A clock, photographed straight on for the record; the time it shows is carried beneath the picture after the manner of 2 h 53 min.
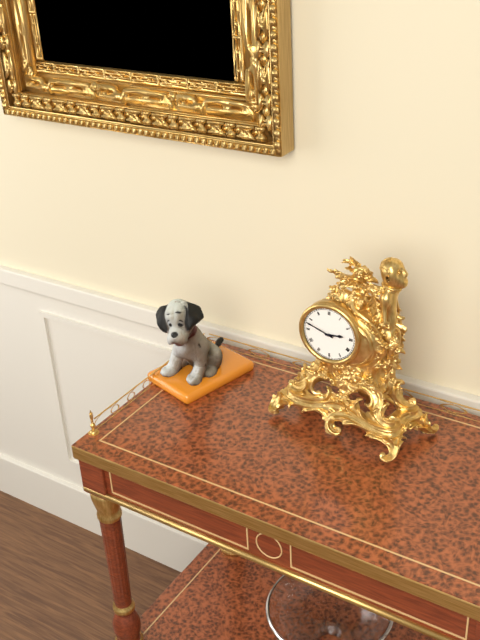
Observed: 2 h 48 min
